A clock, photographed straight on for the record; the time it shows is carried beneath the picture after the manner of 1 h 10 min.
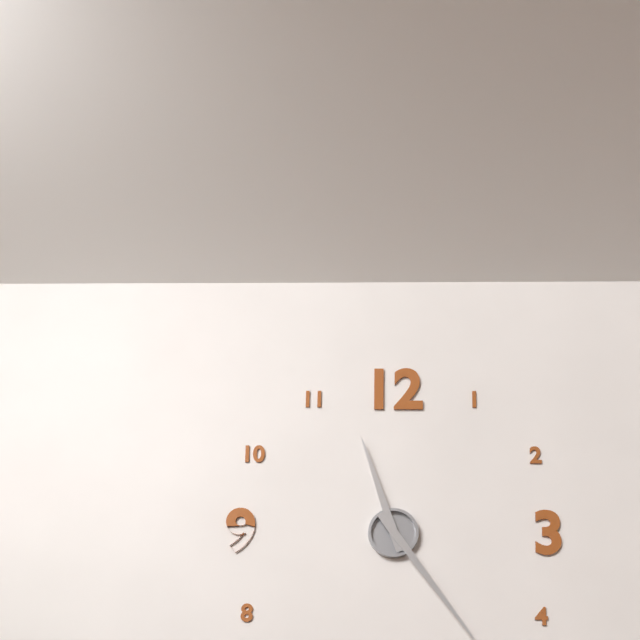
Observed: 11 h 24 min
